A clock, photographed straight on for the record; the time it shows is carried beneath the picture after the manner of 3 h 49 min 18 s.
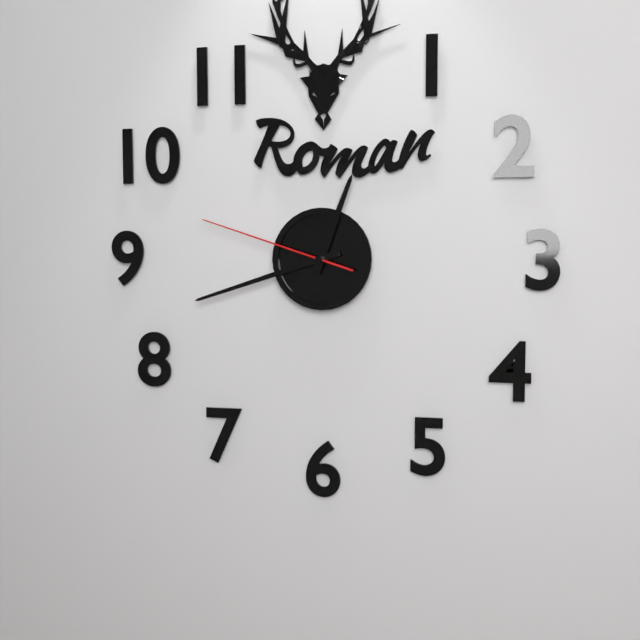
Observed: 12 h 42 min 48 s
